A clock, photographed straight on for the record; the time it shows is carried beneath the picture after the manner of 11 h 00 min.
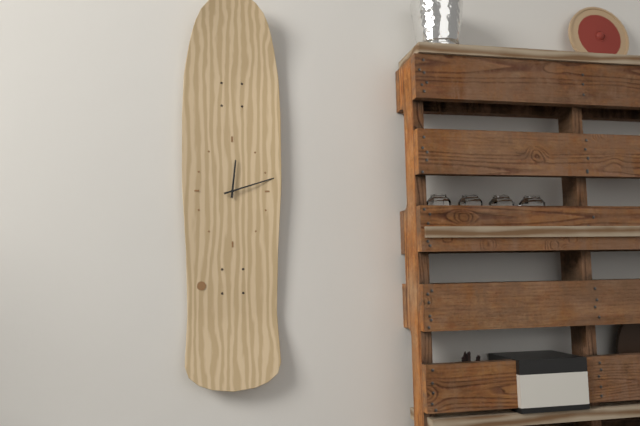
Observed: 12 h 12 min
